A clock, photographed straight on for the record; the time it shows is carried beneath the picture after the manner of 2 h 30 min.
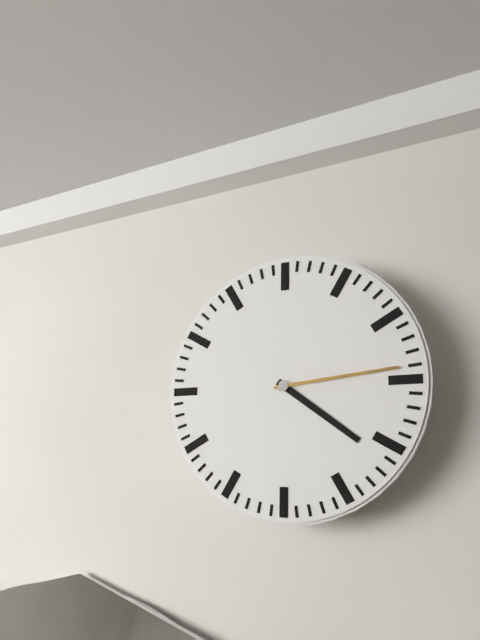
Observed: 4 h 14 min
